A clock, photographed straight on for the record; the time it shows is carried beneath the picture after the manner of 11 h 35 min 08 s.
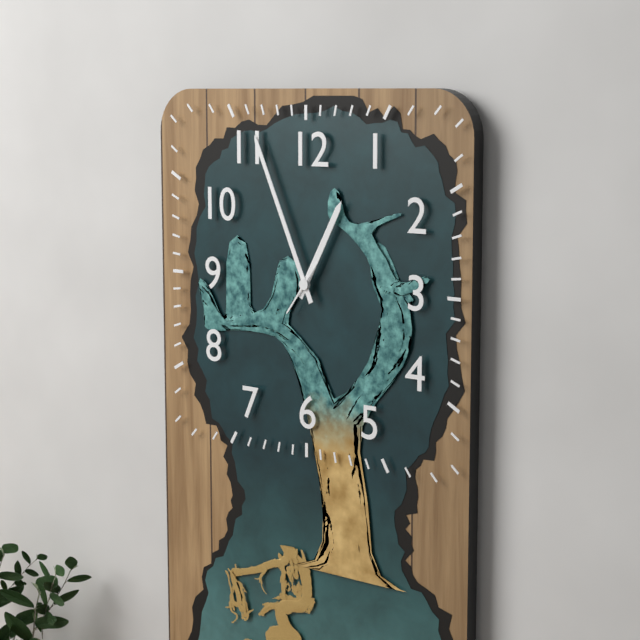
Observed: 12 h 56 min 36 s
